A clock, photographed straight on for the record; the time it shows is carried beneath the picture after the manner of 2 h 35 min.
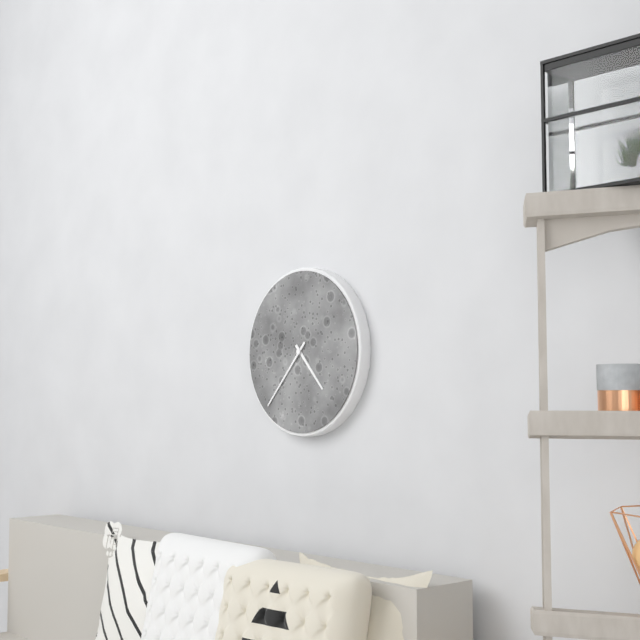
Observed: 4 h 37 min
